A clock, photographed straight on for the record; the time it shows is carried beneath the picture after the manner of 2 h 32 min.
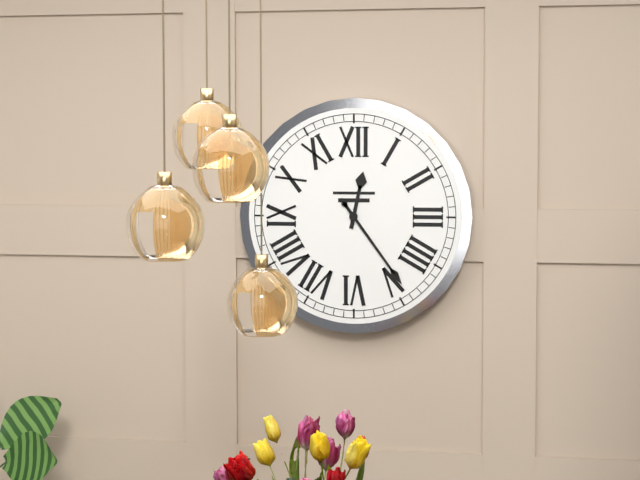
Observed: 12 h 24 min
